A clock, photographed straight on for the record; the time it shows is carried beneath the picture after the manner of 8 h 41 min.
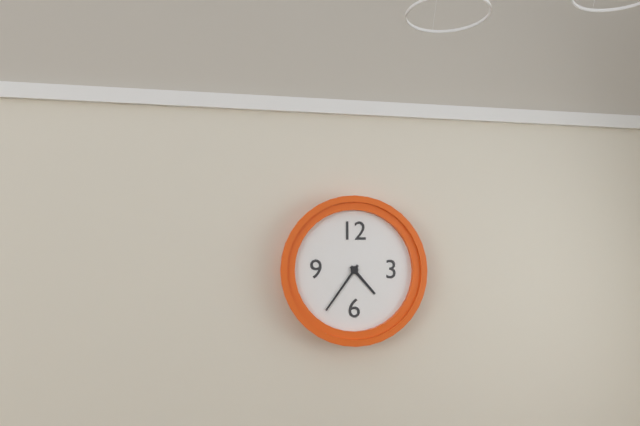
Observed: 4 h 36 min
